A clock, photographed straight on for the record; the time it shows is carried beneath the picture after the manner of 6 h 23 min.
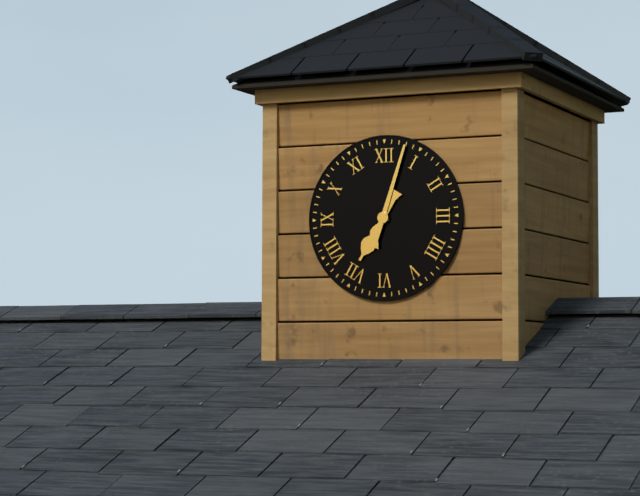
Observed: 7 h 03 min
